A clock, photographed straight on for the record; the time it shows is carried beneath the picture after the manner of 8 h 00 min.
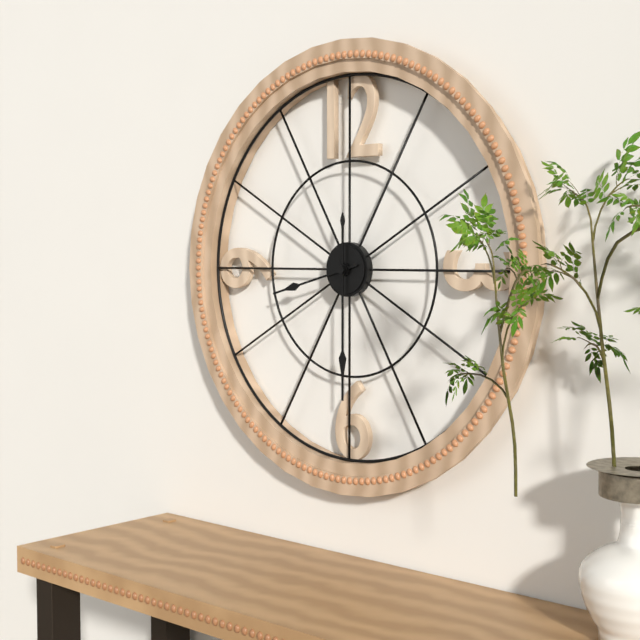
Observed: 8 h 30 min
